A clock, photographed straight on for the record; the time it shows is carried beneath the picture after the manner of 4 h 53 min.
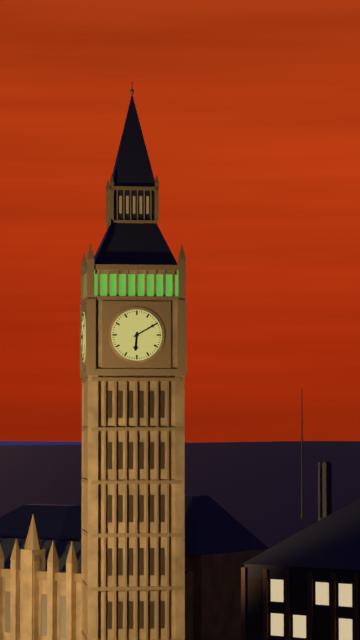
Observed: 6 h 10 min
